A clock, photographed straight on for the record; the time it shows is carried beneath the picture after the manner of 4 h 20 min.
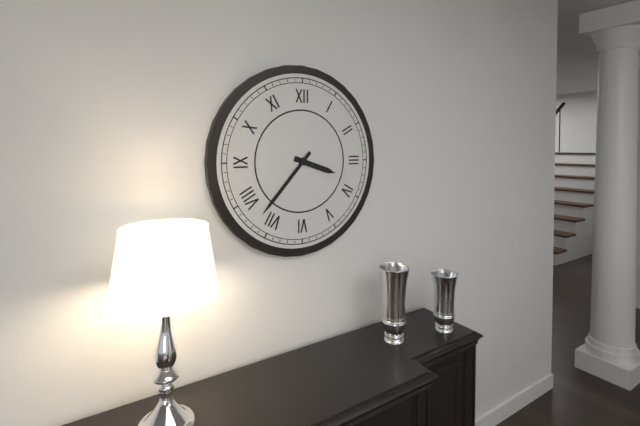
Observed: 3 h 37 min
